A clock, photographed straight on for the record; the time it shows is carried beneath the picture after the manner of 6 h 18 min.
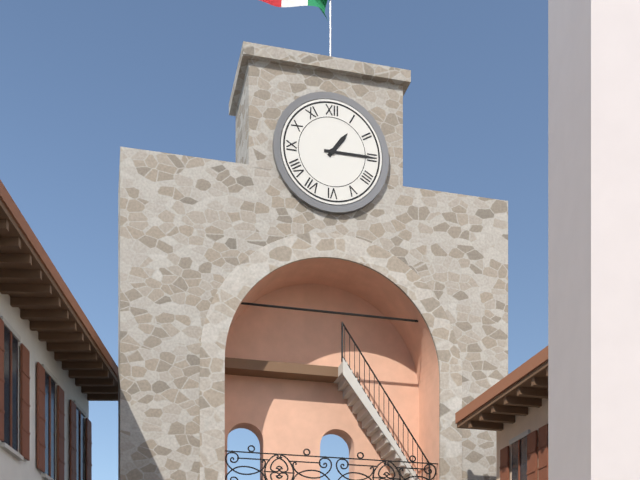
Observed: 1 h 15 min
